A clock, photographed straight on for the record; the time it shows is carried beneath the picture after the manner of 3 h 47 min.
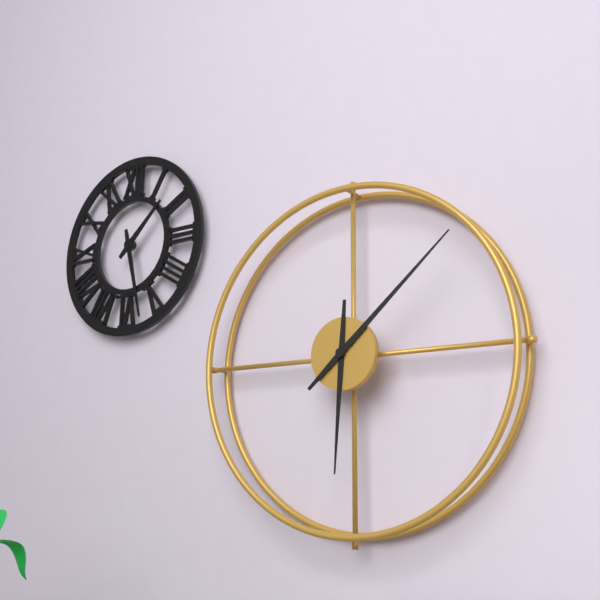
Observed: 6 h 08 min
